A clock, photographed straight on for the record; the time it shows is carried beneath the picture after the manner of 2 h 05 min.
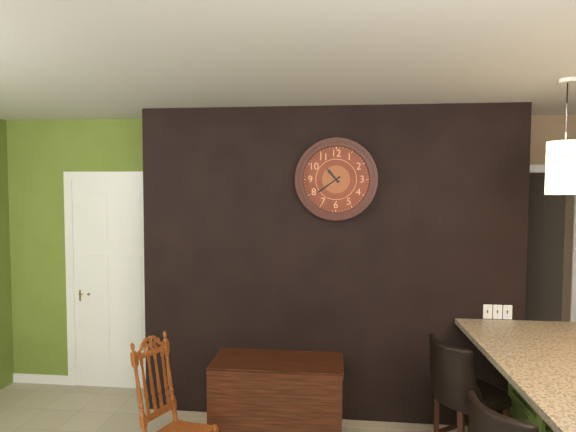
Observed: 10 h 39 min
